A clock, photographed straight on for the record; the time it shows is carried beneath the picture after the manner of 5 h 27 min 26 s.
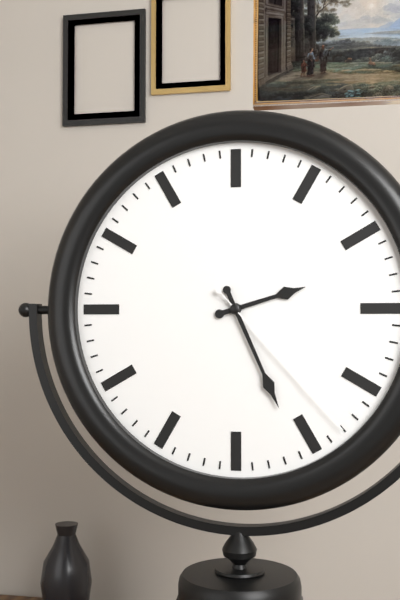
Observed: 2 h 26 min 23 s
